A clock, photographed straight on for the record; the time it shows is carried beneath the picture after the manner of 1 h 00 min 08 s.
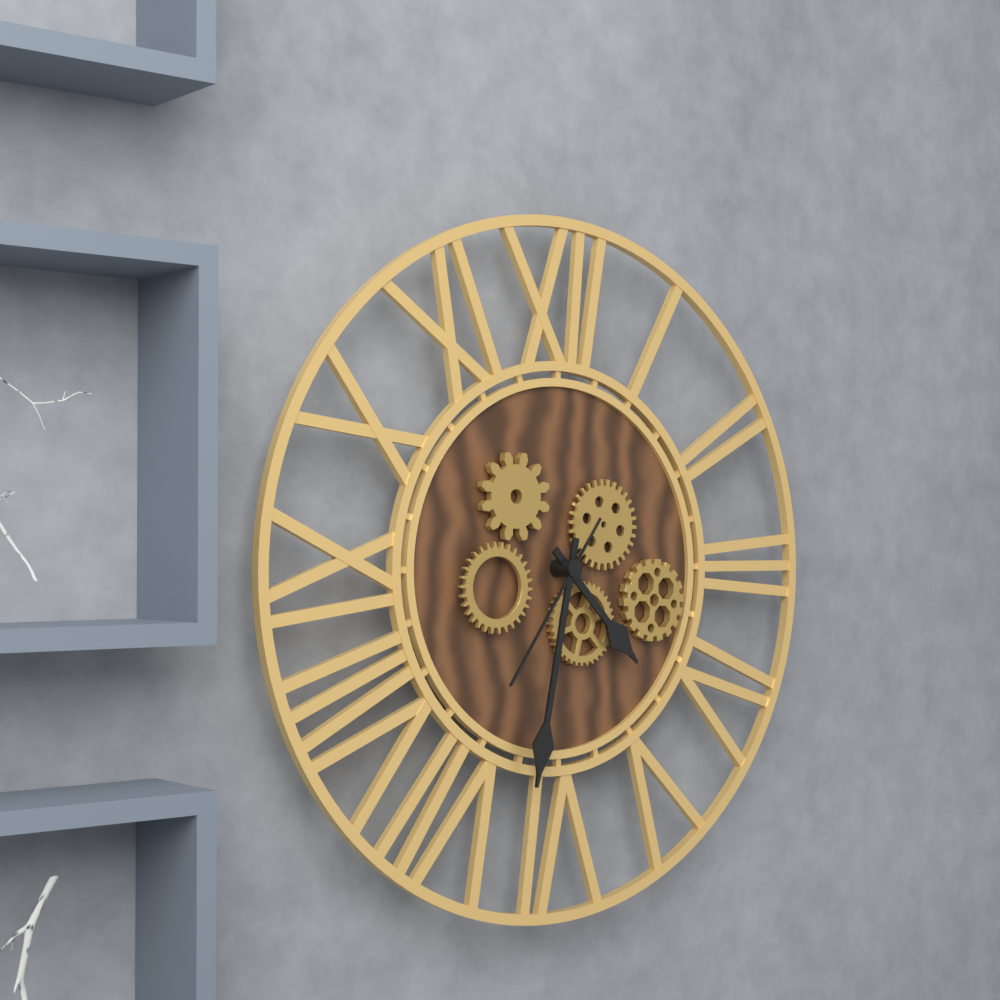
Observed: 4 h 32 min 36 s
